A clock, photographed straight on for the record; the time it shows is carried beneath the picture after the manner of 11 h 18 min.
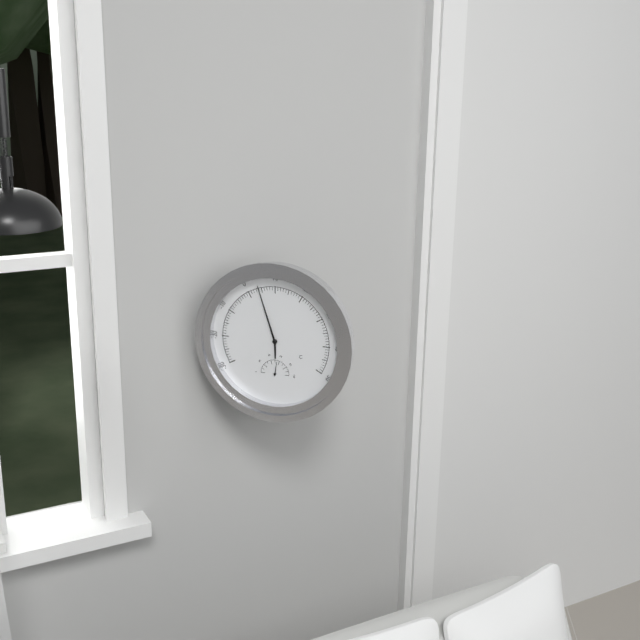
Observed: 5 h 57 min
